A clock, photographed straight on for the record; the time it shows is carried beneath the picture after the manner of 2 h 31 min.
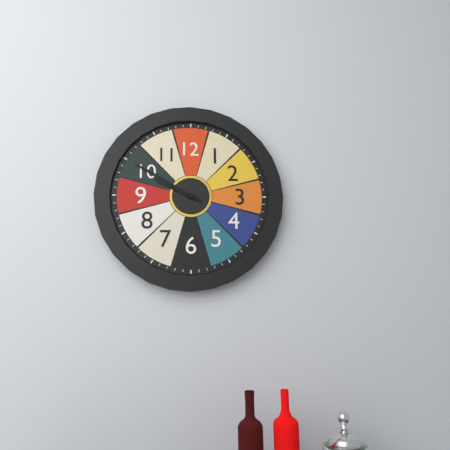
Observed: 9 h 50 min
